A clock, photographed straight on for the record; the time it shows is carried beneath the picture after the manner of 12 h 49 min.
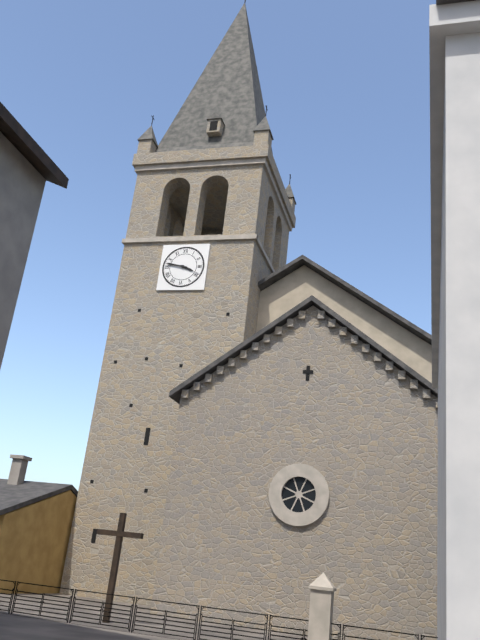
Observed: 3 h 47 min
